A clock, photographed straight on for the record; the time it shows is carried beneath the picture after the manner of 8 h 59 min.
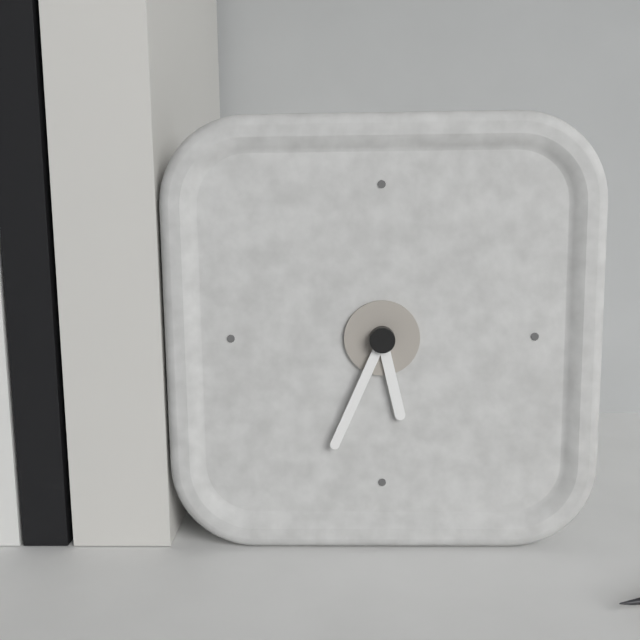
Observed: 5 h 34 min
